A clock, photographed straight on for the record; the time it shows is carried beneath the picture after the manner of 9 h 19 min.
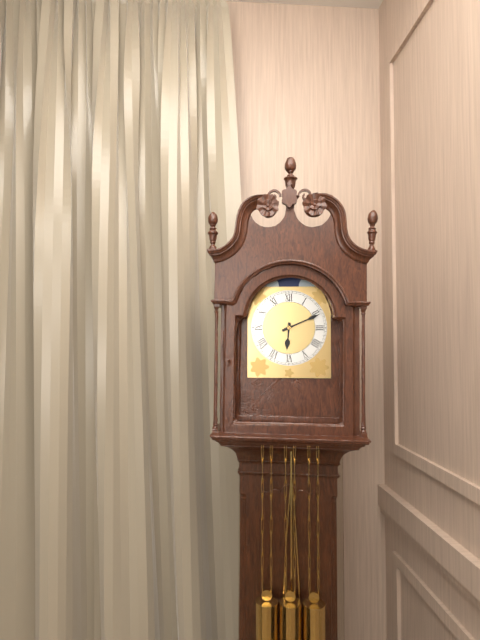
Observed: 6 h 11 min
